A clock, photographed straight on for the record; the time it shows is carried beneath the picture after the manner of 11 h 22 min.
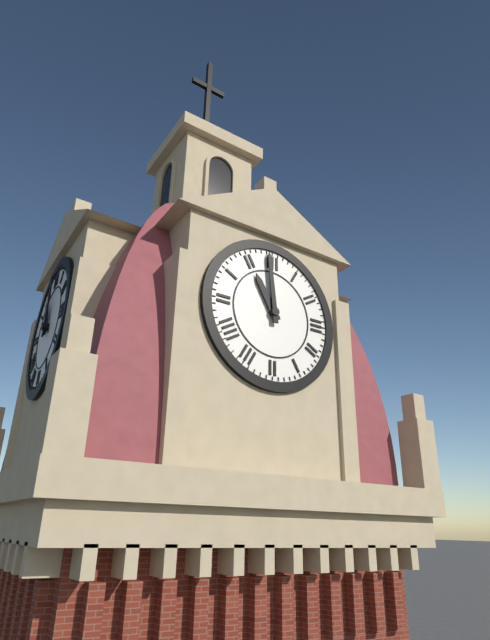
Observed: 10 h 59 min
